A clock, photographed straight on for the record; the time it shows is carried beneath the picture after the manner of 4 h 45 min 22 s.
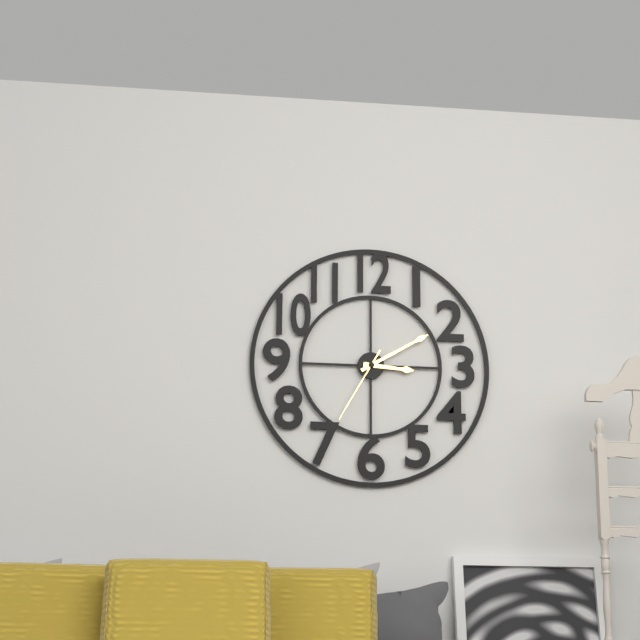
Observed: 3 h 10 min 35 s
